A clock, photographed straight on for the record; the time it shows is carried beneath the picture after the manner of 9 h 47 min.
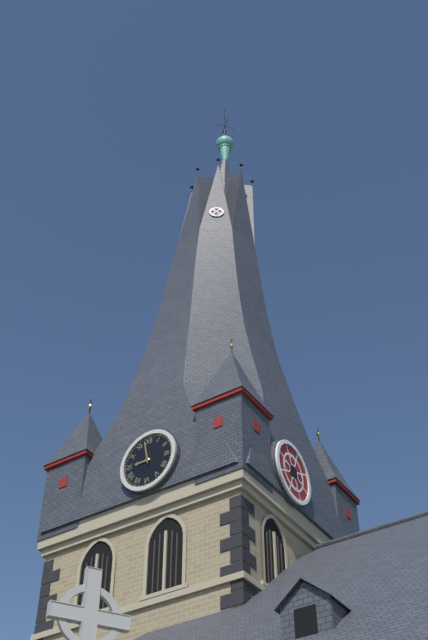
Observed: 8 h 58 min
